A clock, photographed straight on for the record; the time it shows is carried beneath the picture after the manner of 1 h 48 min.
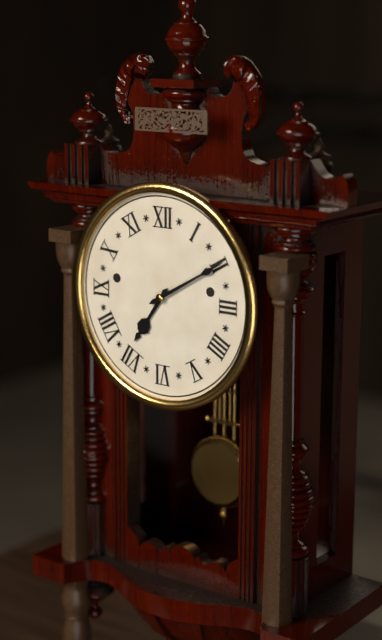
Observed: 7 h 10 min
